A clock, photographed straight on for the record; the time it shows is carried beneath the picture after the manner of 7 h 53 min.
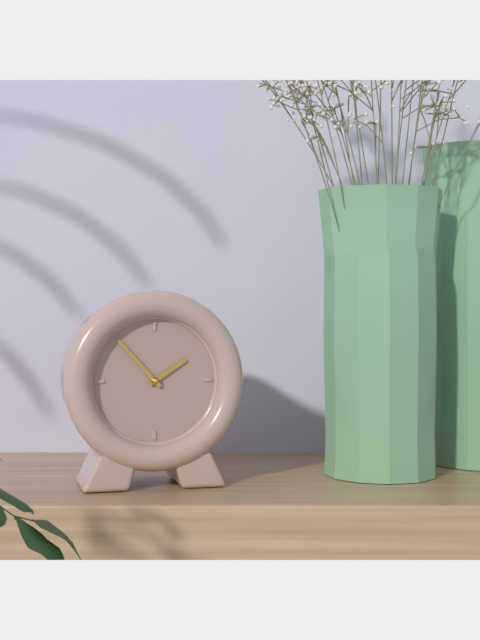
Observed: 1 h 53 min
